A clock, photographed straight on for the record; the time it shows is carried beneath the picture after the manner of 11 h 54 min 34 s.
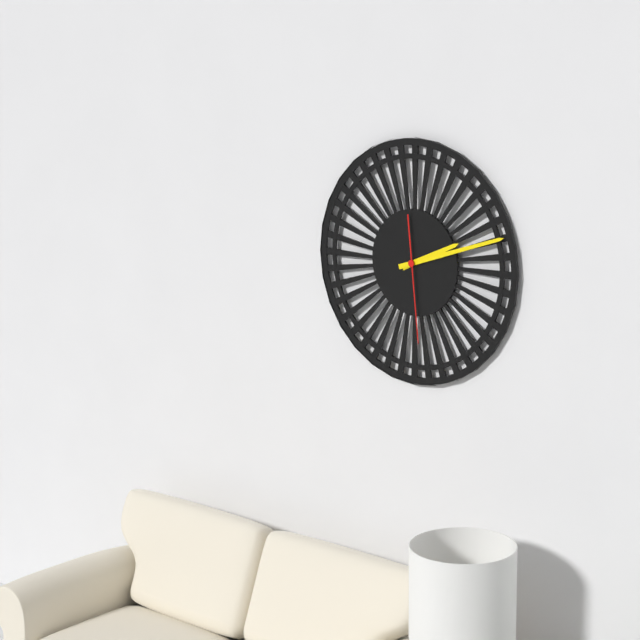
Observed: 2 h 12 min 29 s
